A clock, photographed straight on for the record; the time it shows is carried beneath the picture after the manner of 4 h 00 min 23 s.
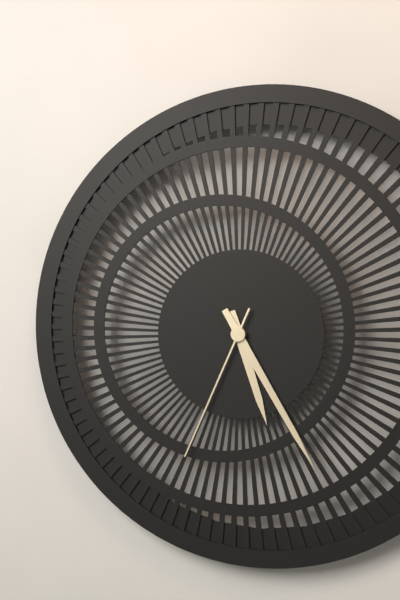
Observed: 5 h 25 min 34 s
